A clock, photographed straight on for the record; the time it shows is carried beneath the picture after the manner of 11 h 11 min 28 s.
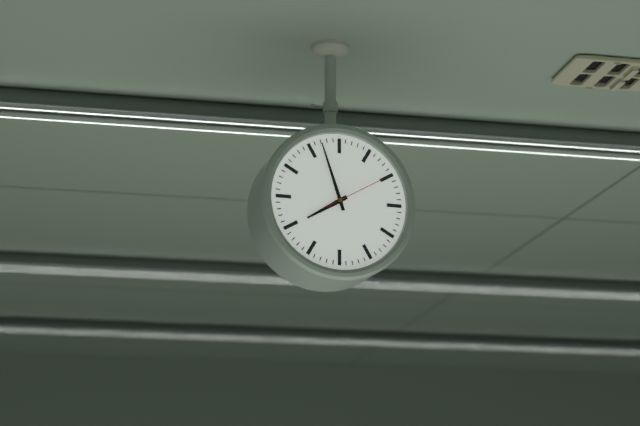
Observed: 7 h 57 min 10 s
